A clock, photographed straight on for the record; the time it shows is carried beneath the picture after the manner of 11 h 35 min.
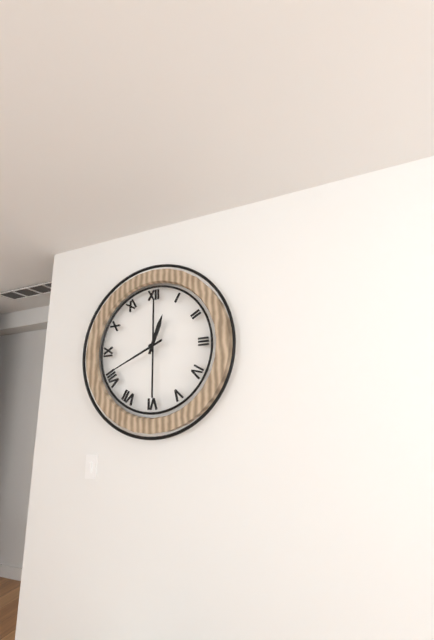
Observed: 12 h 41 min
